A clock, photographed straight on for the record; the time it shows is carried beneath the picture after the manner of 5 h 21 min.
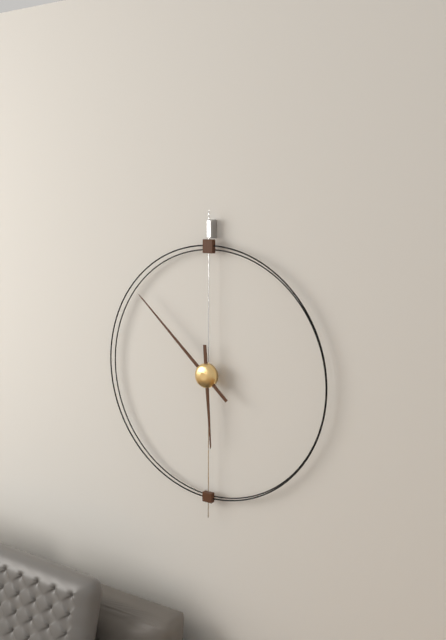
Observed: 5 h 52 min
